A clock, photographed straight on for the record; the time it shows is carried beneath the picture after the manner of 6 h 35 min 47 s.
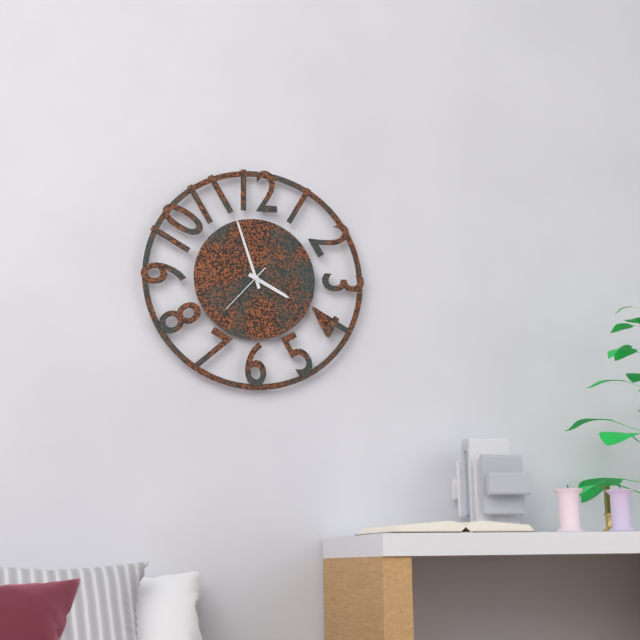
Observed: 3 h 57 min 37 s
